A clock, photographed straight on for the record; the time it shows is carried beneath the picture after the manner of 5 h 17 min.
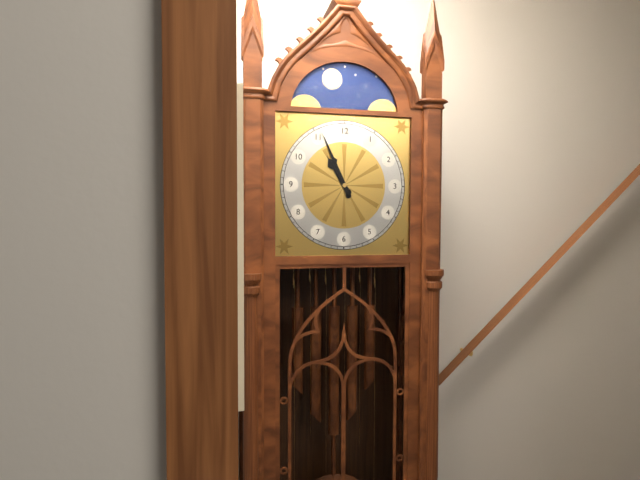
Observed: 10 h 56 min
